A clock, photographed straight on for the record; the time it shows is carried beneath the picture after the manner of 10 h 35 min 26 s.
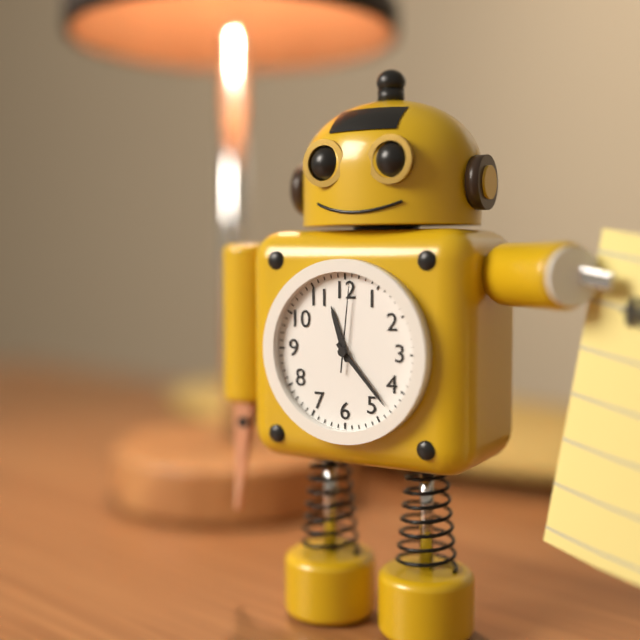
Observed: 11 h 23 min 01 s
